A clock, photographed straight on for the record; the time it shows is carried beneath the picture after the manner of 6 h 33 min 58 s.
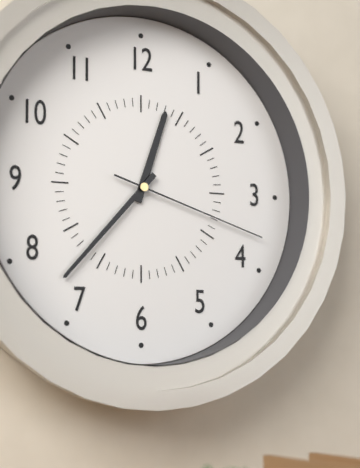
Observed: 12 h 37 min 18 s
